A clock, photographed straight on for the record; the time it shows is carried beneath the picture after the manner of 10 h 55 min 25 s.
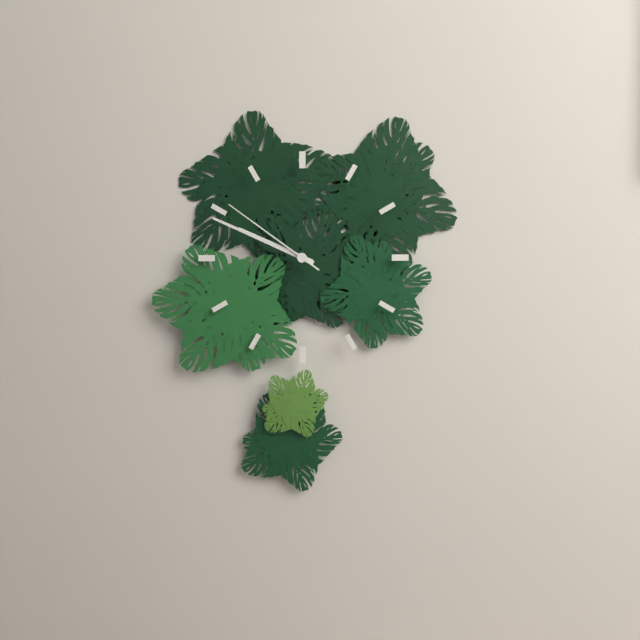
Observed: 9 h 49 min 51 s
